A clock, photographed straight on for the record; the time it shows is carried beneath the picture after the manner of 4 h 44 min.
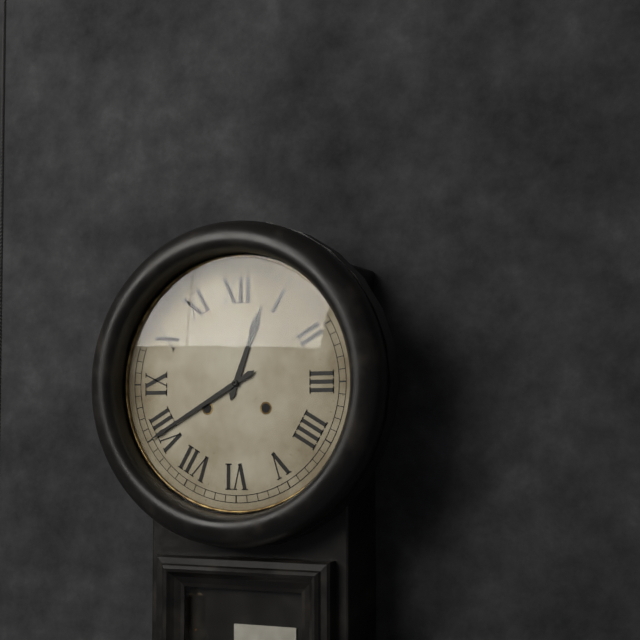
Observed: 12 h 40 min
